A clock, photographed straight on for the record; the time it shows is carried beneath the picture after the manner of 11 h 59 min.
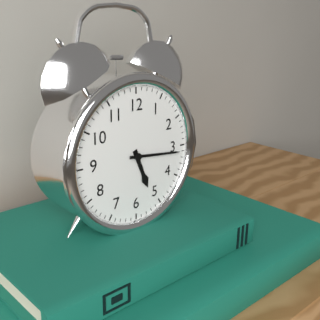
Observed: 5 h 16 min
